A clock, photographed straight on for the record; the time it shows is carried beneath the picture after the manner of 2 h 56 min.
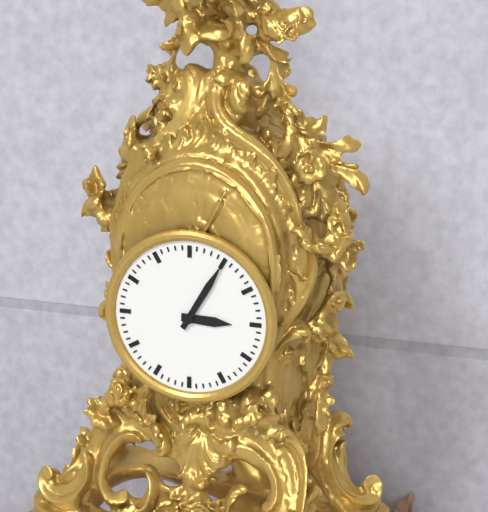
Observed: 3 h 05 min
